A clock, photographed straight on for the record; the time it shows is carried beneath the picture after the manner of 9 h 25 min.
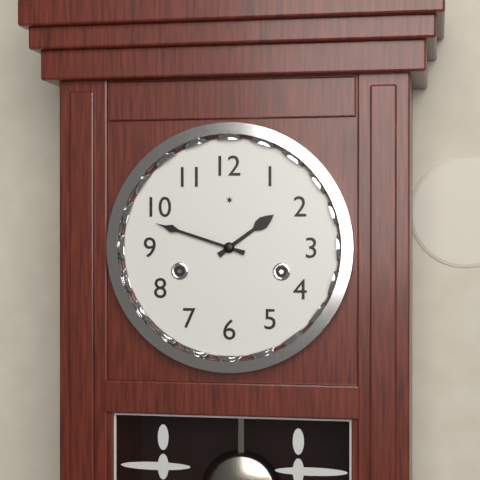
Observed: 1 h 48 min
